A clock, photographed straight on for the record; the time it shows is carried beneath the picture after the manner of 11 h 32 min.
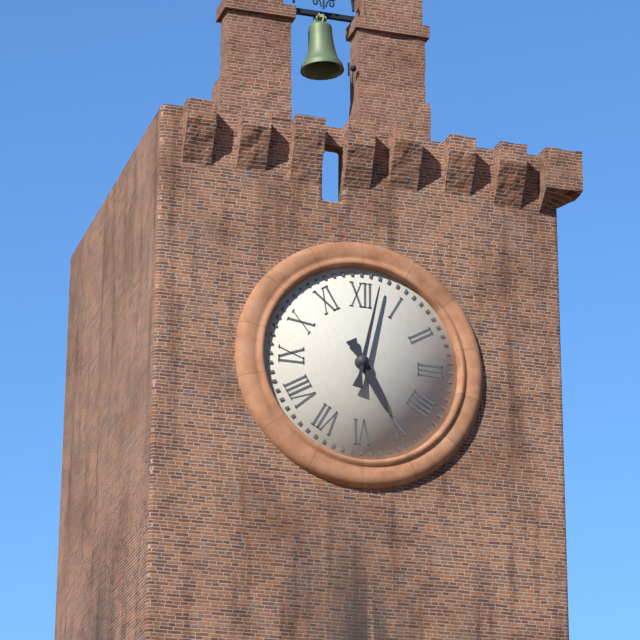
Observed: 5 h 02 min
